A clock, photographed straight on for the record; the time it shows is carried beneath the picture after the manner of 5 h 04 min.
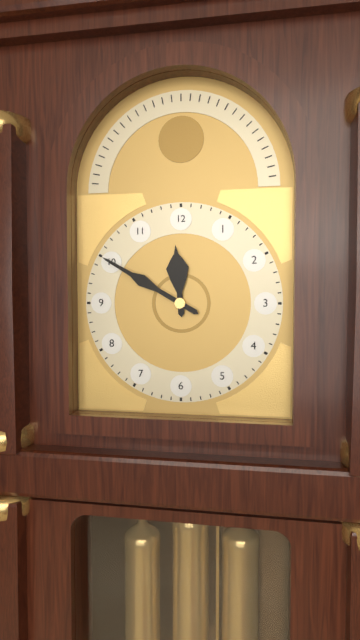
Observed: 11 h 50 min
